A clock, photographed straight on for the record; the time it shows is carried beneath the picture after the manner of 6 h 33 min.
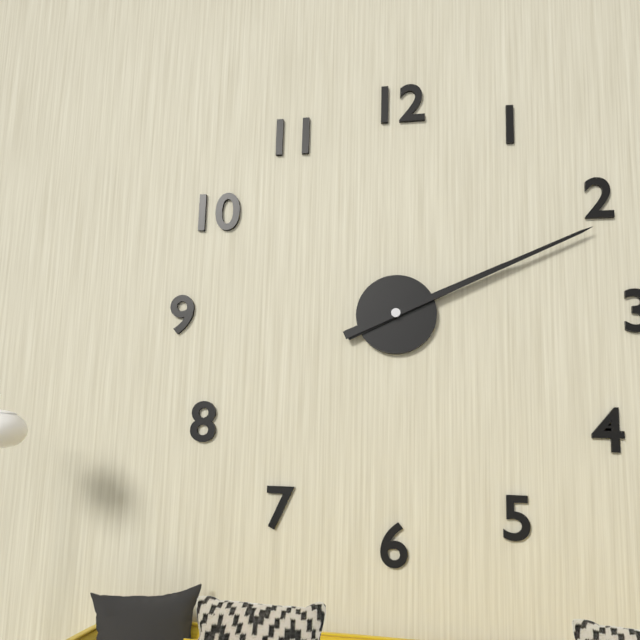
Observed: 2 h 11 min
